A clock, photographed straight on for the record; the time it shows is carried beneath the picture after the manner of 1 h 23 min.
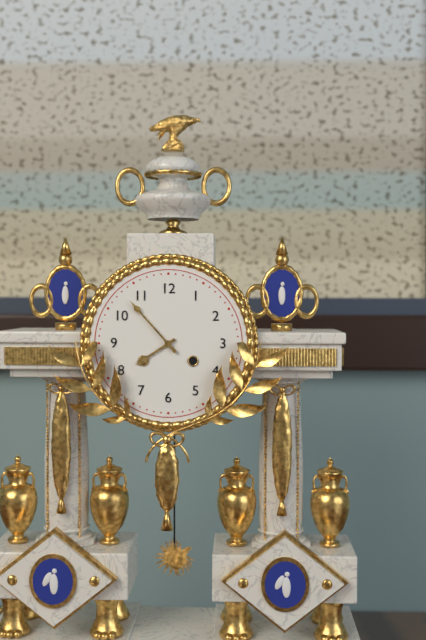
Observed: 7 h 53 min
